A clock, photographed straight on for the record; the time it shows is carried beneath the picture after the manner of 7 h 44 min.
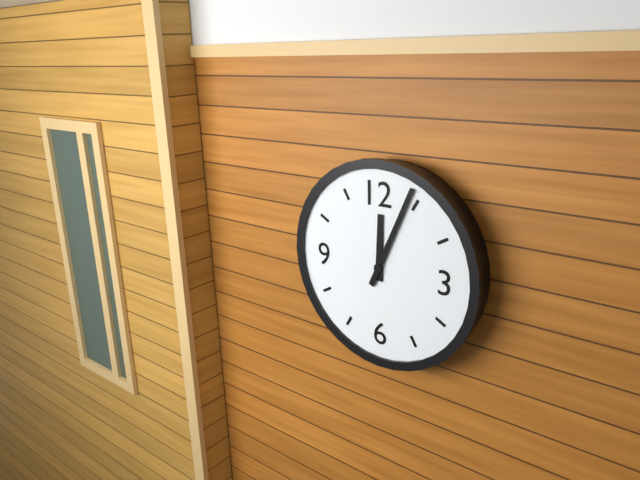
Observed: 12 h 04 min
